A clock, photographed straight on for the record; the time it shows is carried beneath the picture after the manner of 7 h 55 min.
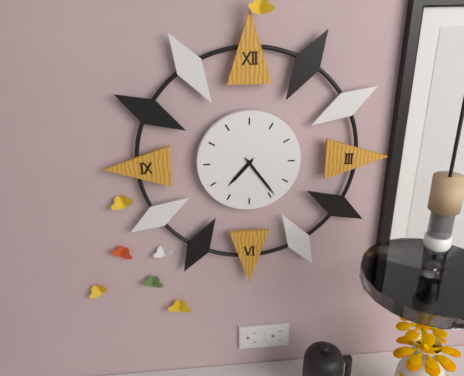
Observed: 7 h 24 min
